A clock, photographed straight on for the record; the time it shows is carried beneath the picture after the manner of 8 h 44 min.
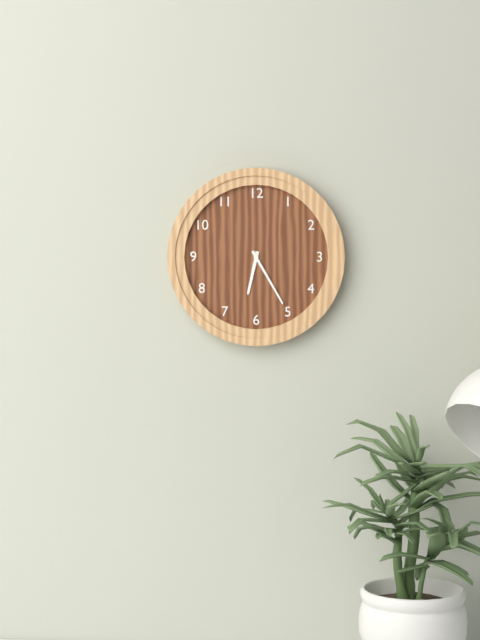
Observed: 6 h 25 min
